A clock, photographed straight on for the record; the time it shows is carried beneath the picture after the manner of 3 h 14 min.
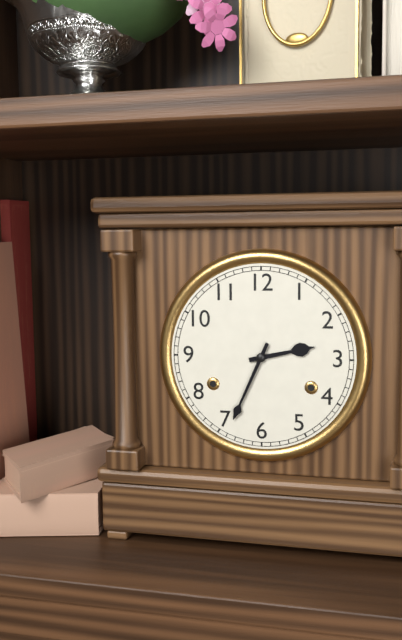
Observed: 2 h 34 min
